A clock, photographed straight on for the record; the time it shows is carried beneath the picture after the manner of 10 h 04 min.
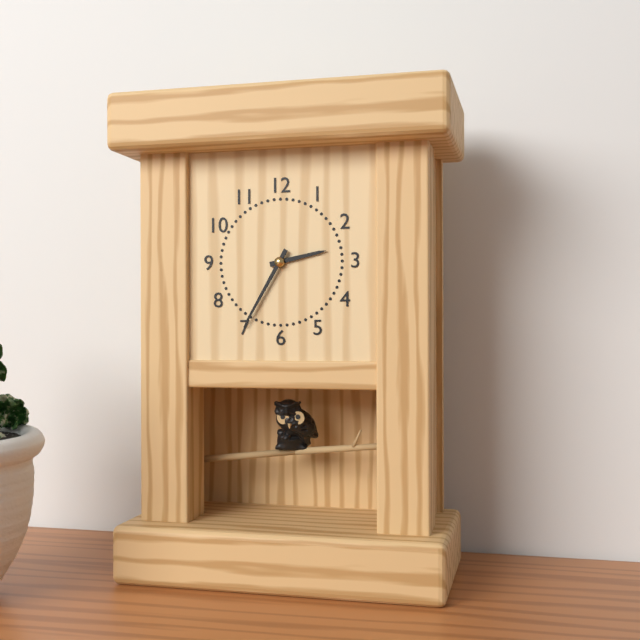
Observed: 2 h 35 min
